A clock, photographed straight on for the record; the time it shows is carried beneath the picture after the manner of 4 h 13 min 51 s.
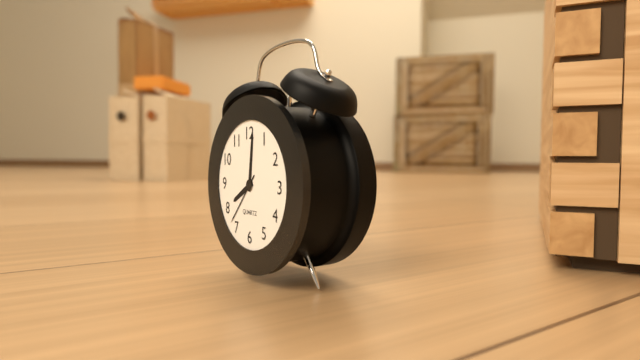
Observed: 8 h 01 min 37 s
